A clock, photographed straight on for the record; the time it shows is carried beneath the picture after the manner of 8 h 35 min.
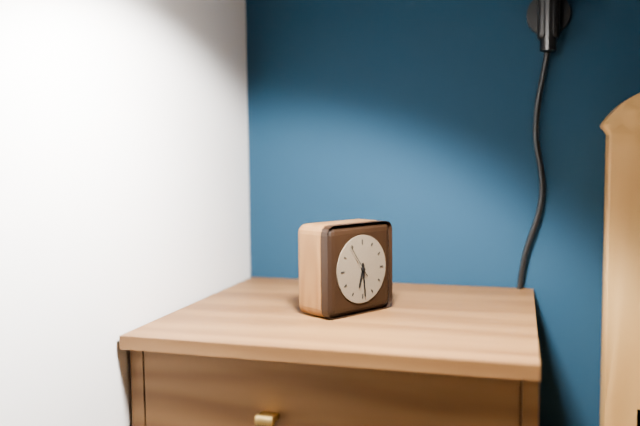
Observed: 6 h 29 min
